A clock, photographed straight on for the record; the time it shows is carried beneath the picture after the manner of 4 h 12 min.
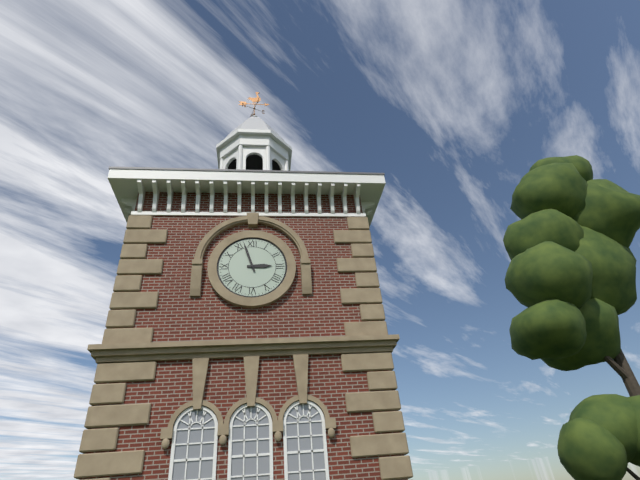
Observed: 2 h 57 min
